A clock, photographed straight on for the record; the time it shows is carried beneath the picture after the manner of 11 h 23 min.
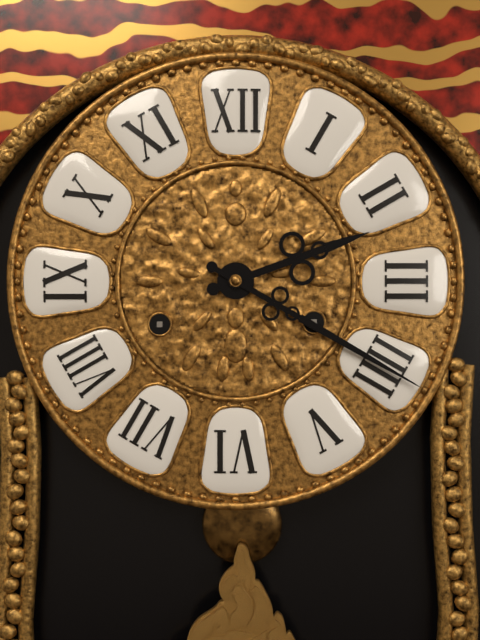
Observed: 2 h 20 min
